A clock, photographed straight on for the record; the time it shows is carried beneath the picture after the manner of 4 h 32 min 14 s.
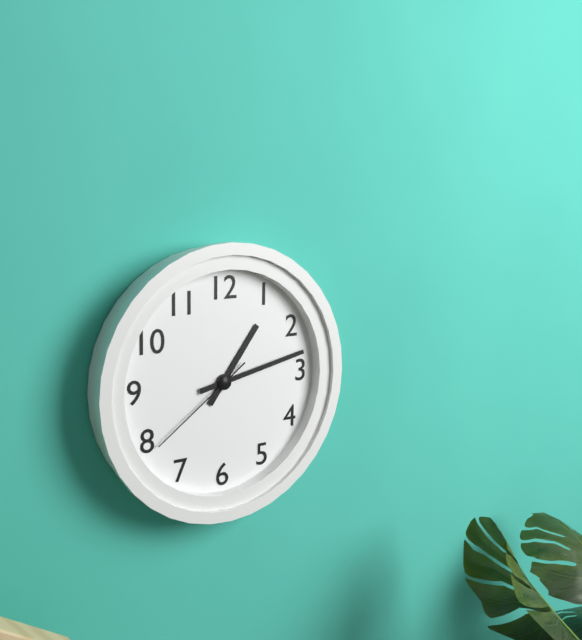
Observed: 1 h 13 min 39 s
